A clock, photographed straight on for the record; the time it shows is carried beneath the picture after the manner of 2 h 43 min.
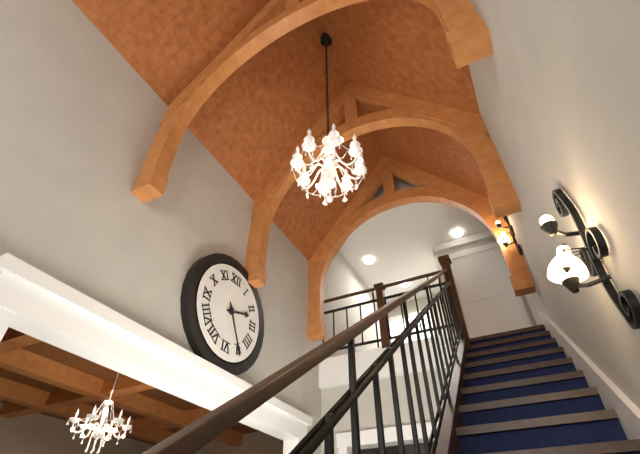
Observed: 2 h 25 min
